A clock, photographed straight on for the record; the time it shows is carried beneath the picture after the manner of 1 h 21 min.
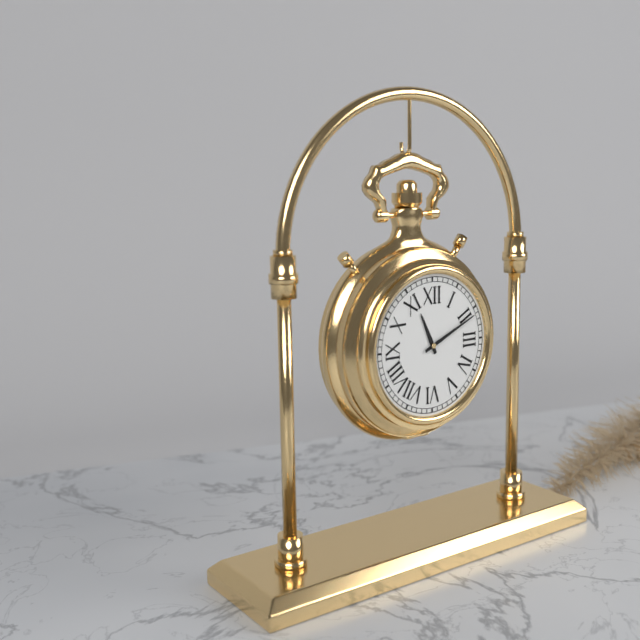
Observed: 11 h 11 min
